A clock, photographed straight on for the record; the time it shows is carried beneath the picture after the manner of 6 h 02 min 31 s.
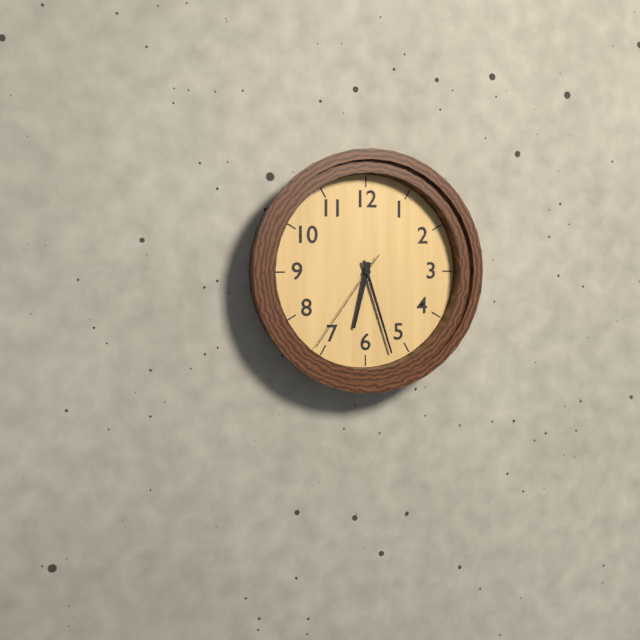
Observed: 6 h 27 min 36 s
